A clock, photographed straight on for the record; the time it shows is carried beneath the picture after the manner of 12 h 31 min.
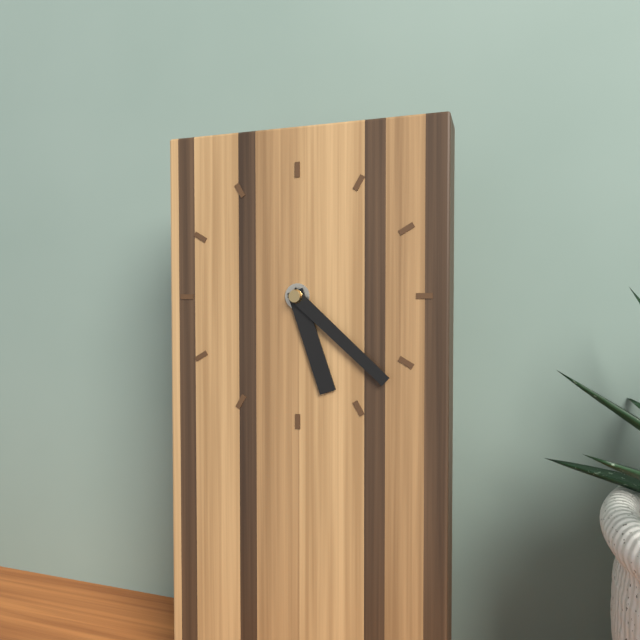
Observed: 5 h 22 min
